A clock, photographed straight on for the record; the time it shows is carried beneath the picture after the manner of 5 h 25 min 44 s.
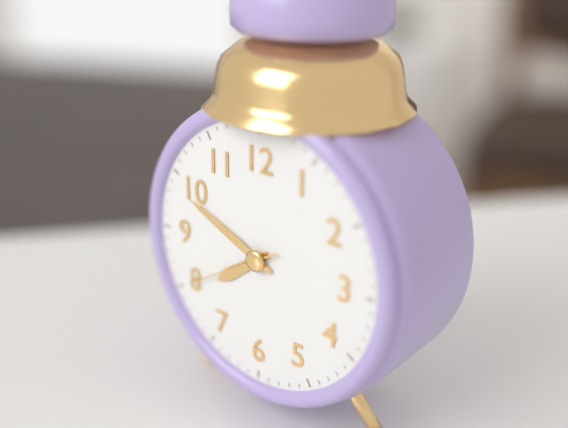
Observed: 7 h 49 min 40 s
